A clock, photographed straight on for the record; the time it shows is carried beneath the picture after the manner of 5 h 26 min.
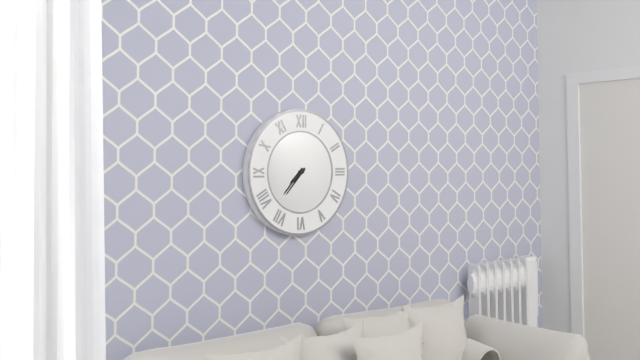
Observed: 7 h 37 min
